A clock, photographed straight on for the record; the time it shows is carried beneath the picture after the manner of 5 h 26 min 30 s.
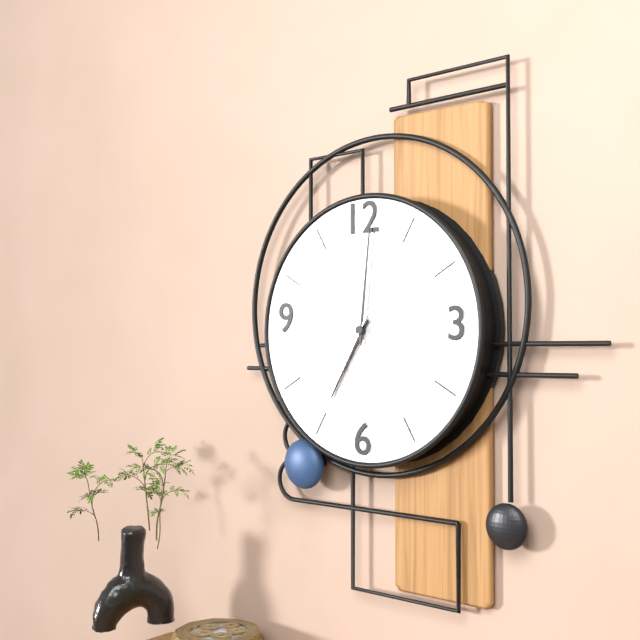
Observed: 7 h 01 min 35 s
